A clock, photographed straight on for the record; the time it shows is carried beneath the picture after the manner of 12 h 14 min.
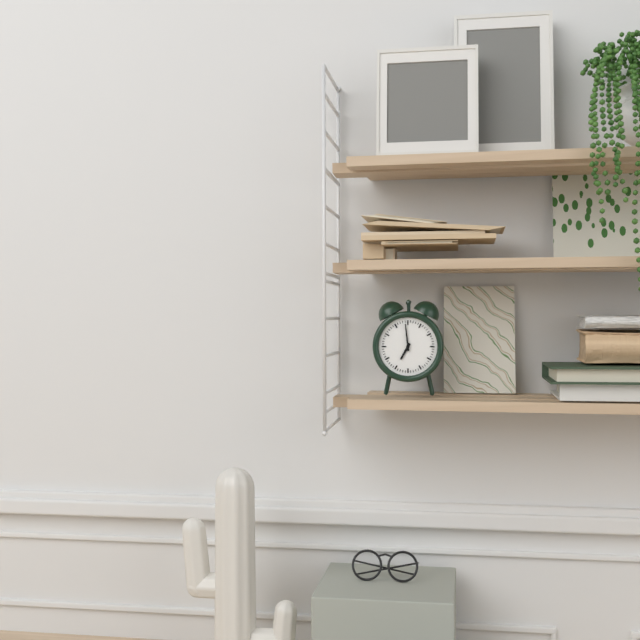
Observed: 6 h 59 min
